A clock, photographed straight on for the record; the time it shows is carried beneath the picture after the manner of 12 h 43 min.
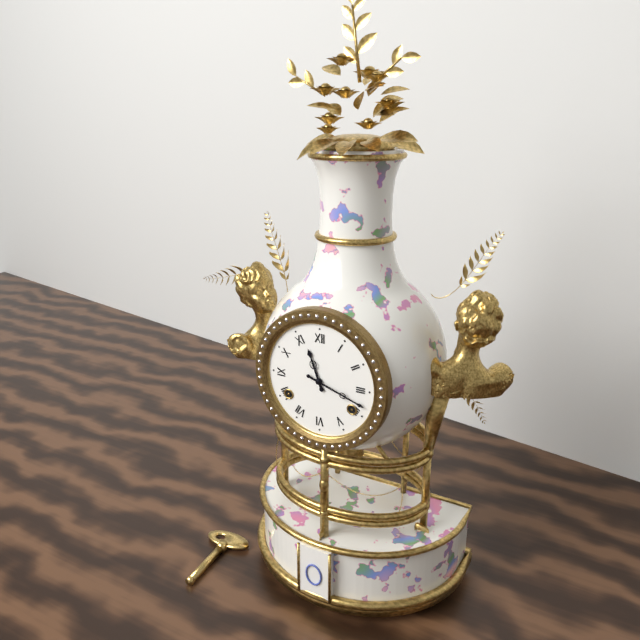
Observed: 11 h 18 min
